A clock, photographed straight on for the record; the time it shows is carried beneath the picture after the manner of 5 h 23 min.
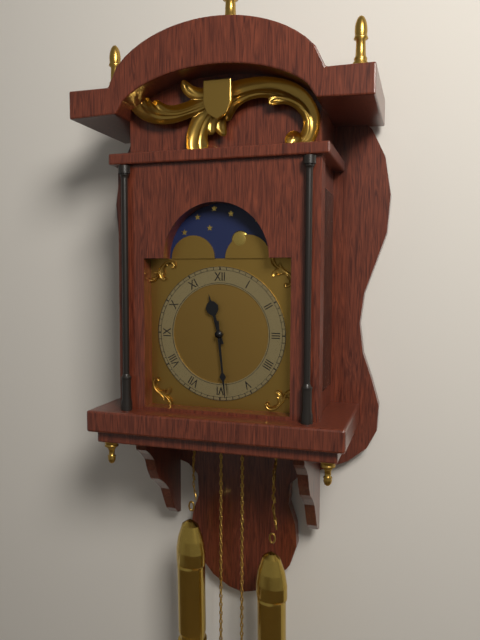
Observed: 11 h 29 min
